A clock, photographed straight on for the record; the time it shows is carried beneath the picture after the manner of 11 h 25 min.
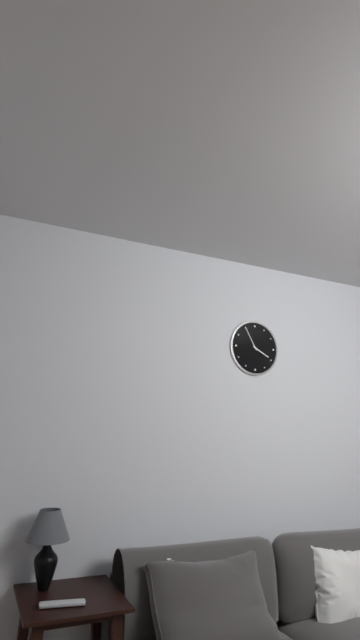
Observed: 3 h 55 min
